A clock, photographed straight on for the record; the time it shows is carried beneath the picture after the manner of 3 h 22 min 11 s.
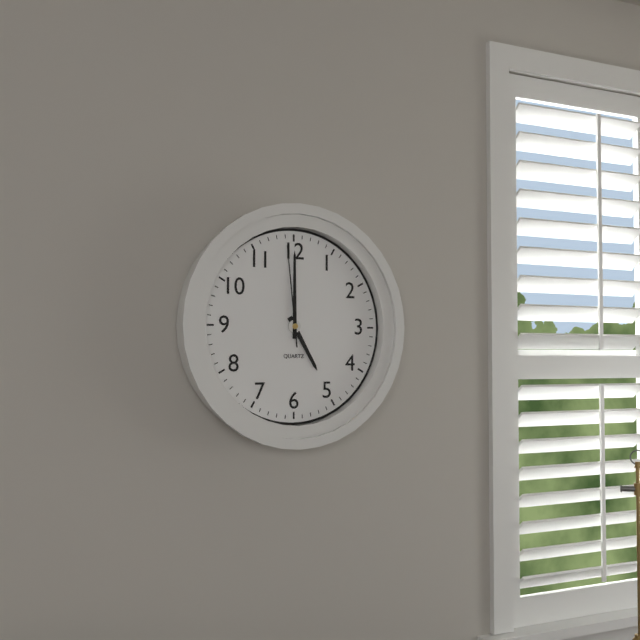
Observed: 5 h 00 min 59 s
